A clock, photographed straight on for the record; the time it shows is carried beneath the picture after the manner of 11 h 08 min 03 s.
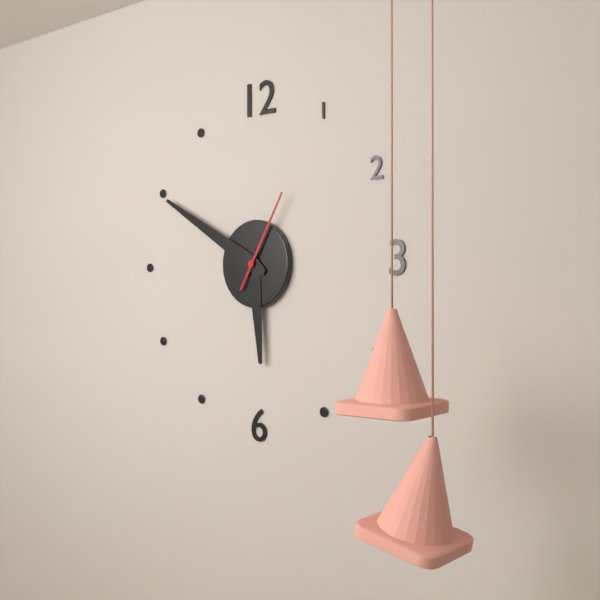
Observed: 5 h 50 min 05 s
